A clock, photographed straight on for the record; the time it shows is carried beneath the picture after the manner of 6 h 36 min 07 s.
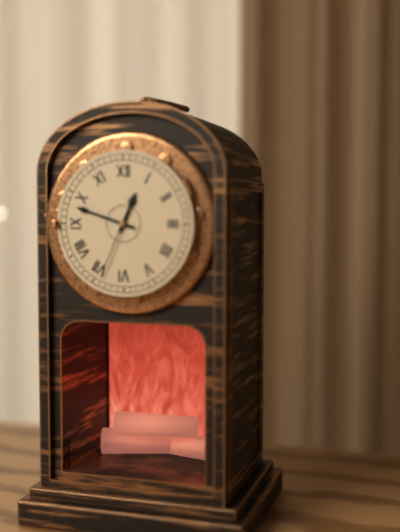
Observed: 12 h 48 min 34 s
